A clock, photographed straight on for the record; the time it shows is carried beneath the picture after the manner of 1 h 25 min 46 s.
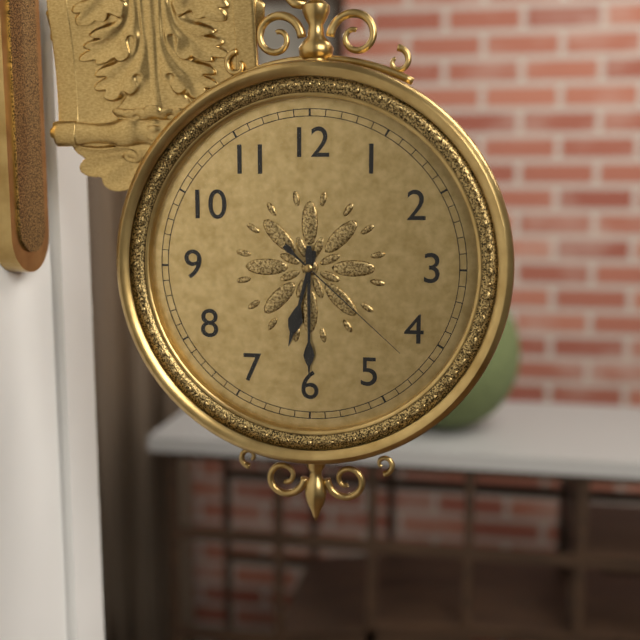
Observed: 6 h 30 min 22 s
